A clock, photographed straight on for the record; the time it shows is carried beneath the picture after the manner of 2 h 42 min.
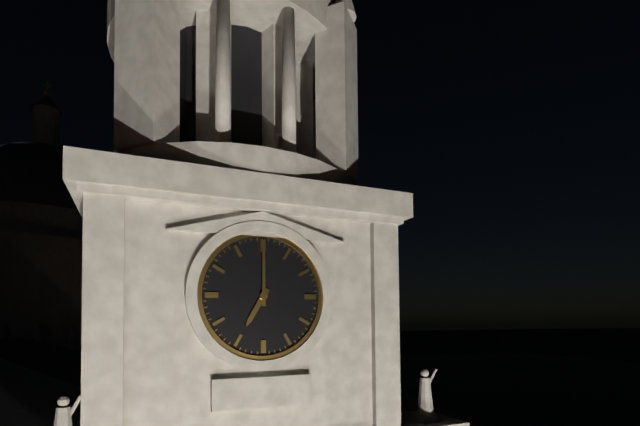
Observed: 7 h 00 min
